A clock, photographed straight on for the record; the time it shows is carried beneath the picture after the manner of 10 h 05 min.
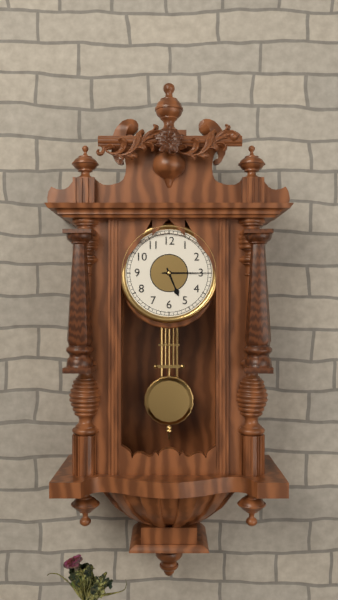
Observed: 5 h 15 min
